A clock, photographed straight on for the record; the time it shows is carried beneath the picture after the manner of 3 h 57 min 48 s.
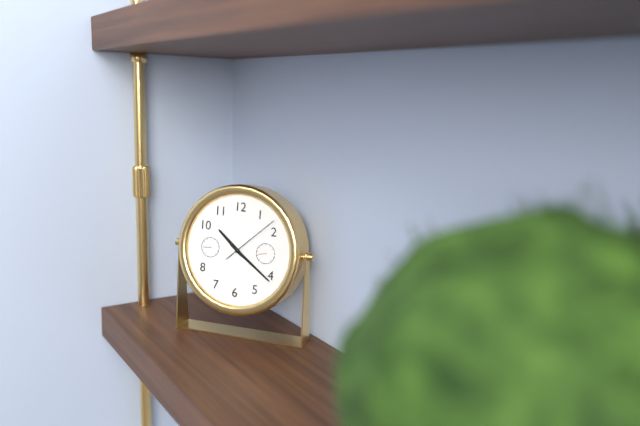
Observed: 10 h 21 min 08 s
